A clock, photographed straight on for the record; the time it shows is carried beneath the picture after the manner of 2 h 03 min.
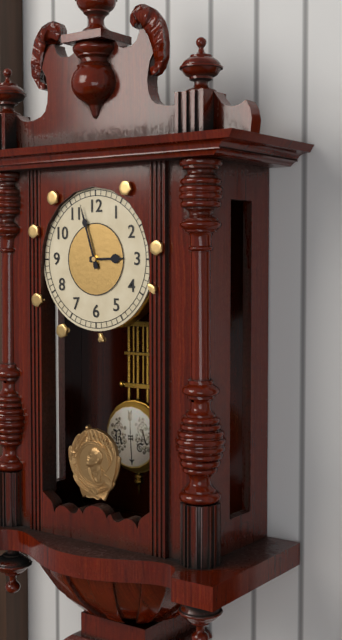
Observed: 2 h 57 min
